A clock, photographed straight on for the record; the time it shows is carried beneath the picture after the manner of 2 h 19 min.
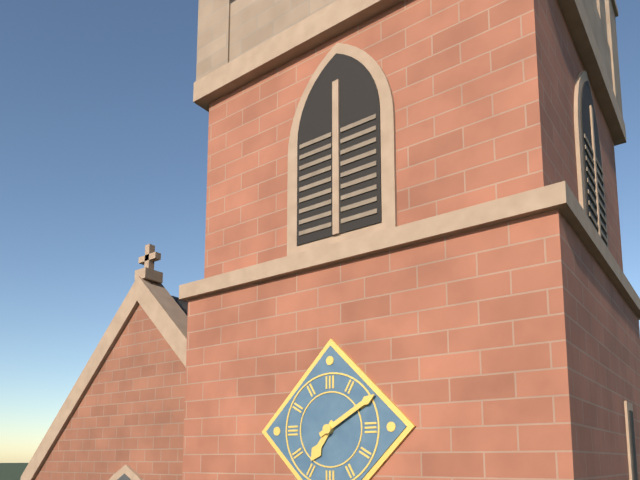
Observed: 7 h 10 min
